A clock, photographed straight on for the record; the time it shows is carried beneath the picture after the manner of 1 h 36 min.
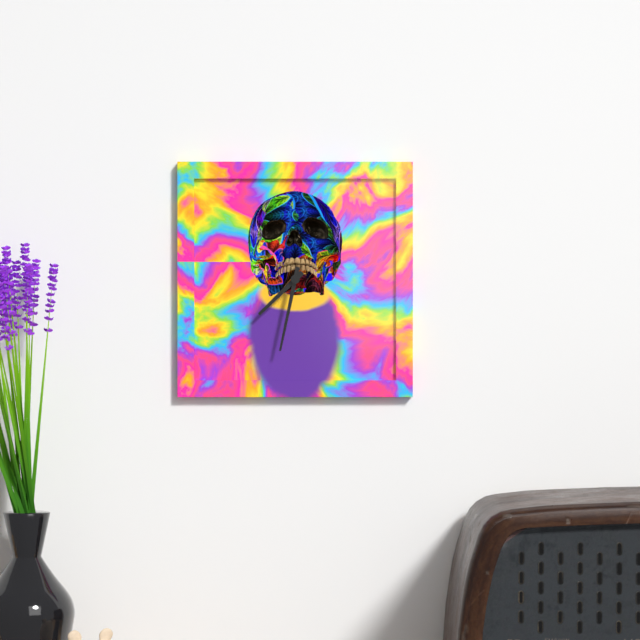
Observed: 7 h 32 min
